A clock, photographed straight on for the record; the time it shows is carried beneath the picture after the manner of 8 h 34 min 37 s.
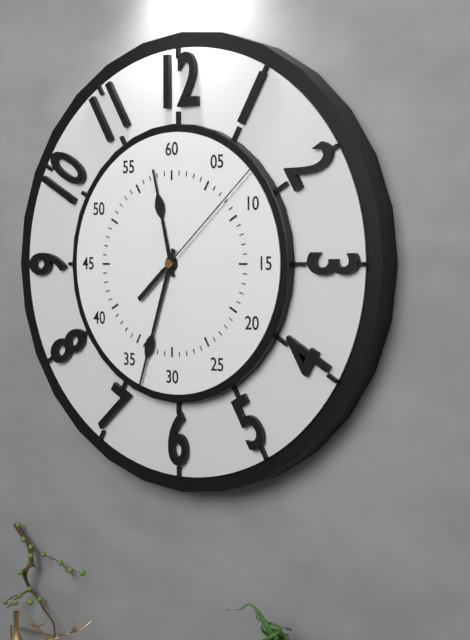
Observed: 11 h 33 min 08 s
